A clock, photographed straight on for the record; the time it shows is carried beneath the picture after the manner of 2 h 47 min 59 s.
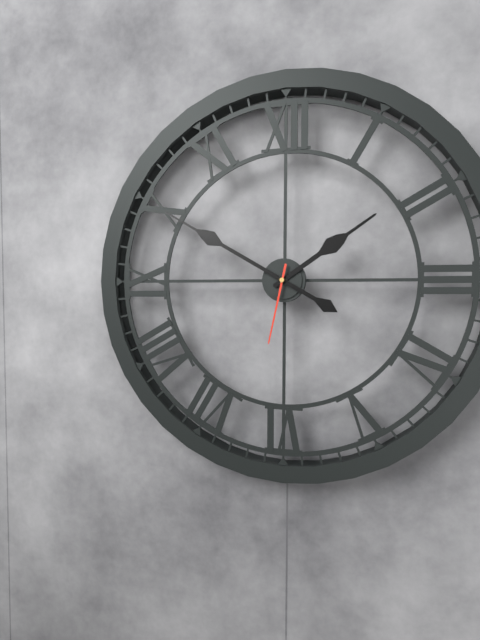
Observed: 1 h 50 min 32 s
